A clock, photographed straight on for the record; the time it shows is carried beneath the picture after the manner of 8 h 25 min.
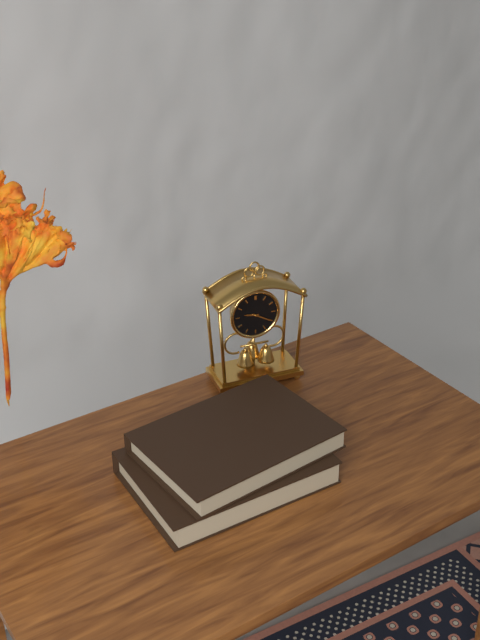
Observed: 9 h 20 min
